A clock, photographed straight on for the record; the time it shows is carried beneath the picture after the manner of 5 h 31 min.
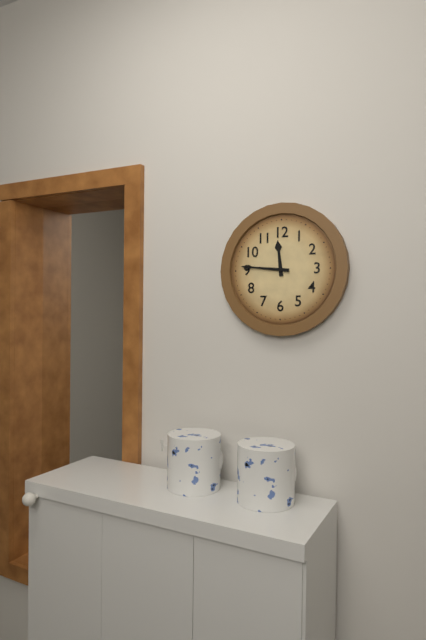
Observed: 11 h 46 min
